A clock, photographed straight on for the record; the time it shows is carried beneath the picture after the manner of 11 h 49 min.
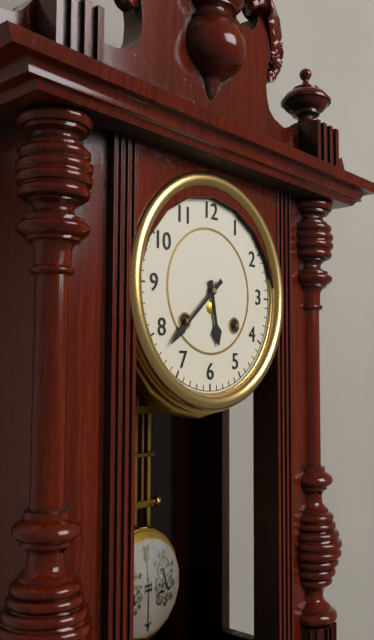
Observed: 5 h 38 min
